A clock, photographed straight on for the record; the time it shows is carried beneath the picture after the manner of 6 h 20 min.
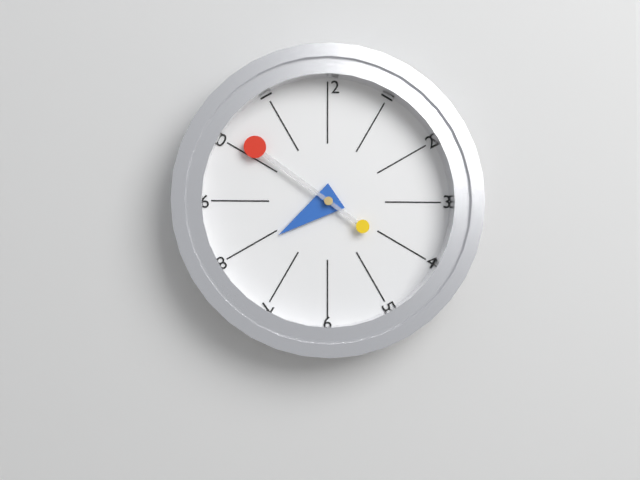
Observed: 7 h 51 min
